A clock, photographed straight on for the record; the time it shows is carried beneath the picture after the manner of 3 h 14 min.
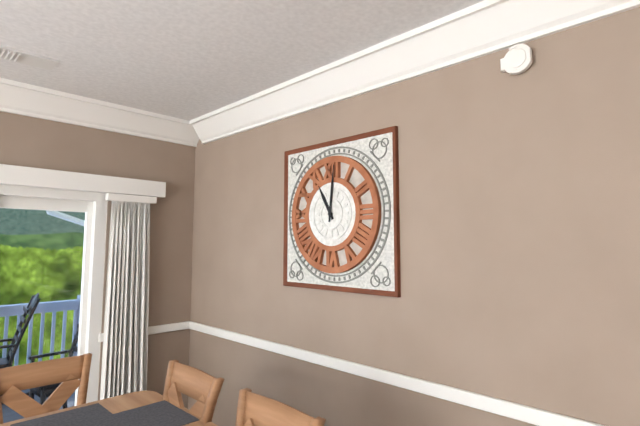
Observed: 11 h 01 min
